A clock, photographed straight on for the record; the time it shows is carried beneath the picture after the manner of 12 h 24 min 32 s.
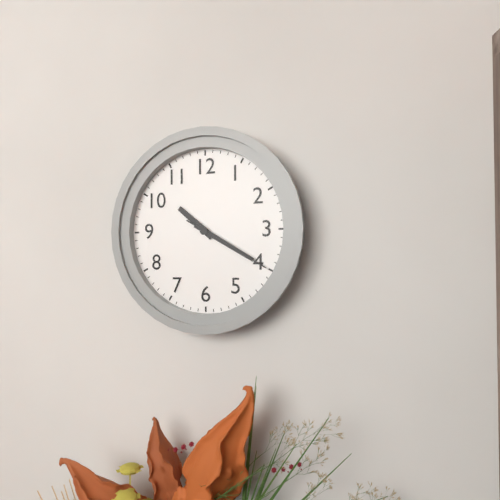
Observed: 10 h 20 min 20 s
